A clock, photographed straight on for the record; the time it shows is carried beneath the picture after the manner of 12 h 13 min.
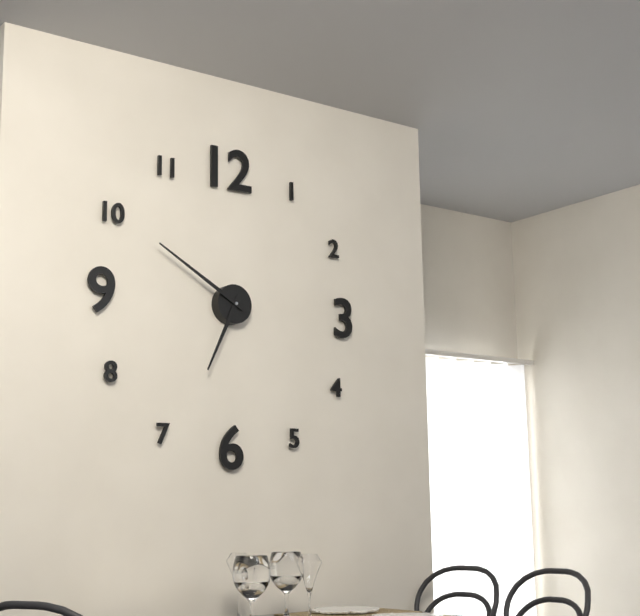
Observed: 6 h 50 min
